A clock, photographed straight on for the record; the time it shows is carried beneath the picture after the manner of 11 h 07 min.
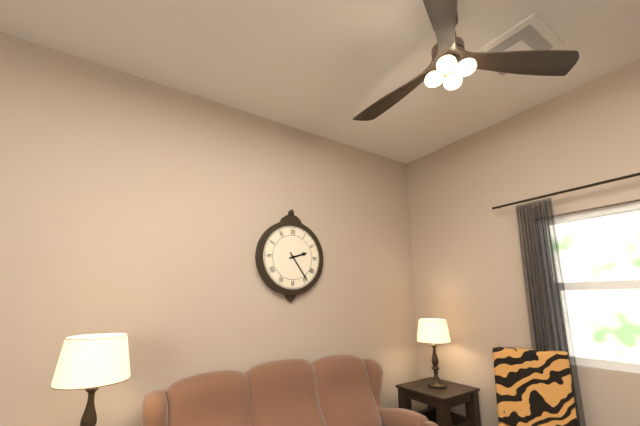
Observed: 2 h 24 min
